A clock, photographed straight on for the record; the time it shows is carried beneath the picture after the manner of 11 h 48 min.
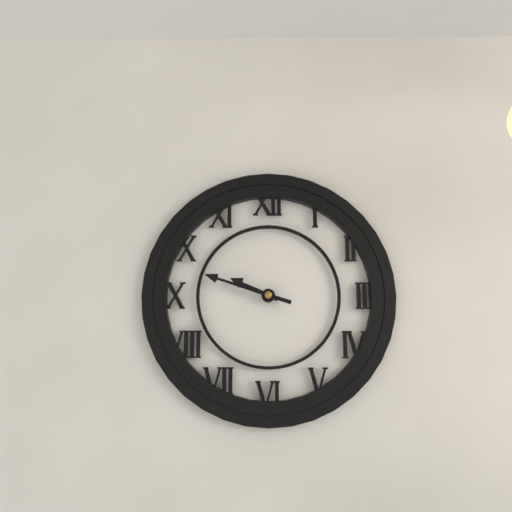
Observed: 9 h 48 min
